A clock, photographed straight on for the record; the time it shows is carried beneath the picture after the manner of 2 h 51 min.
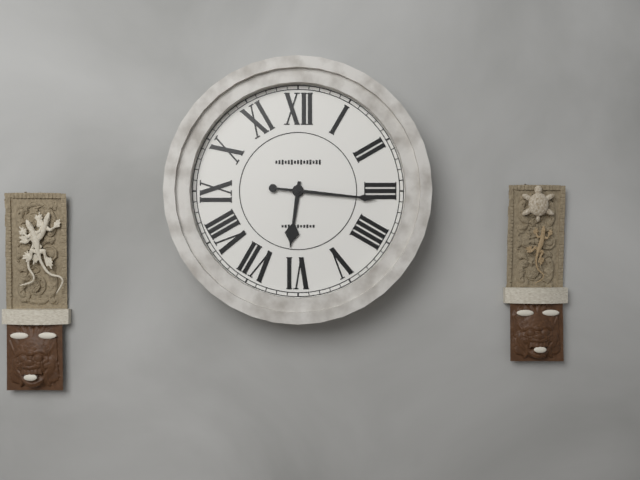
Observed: 6 h 16 min
